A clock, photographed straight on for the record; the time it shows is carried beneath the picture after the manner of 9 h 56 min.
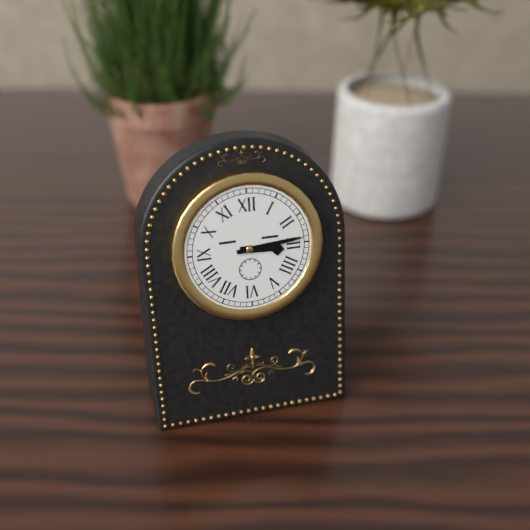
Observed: 3 h 14 min
